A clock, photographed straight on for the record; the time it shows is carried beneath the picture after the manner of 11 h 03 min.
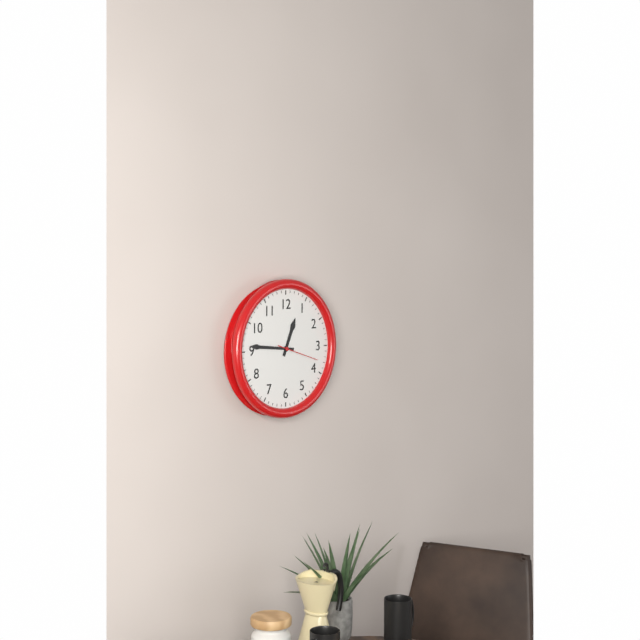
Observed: 12 h 46 min
